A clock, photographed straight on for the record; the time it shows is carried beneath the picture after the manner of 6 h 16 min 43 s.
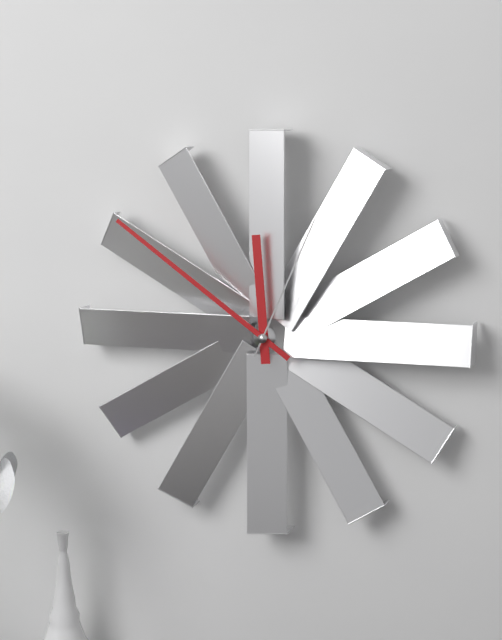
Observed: 11 h 51 min 04 s
